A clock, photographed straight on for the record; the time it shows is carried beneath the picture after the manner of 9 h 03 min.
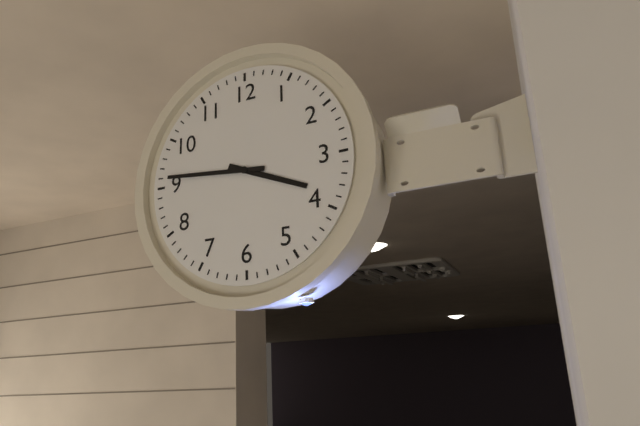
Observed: 3 h 46 min
